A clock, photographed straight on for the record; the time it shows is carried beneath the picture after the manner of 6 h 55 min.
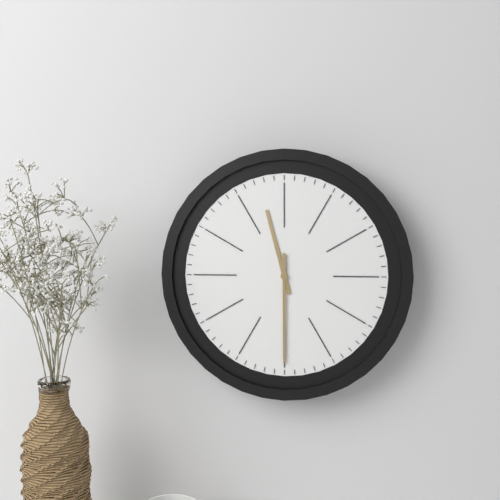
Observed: 11 h 30 min
